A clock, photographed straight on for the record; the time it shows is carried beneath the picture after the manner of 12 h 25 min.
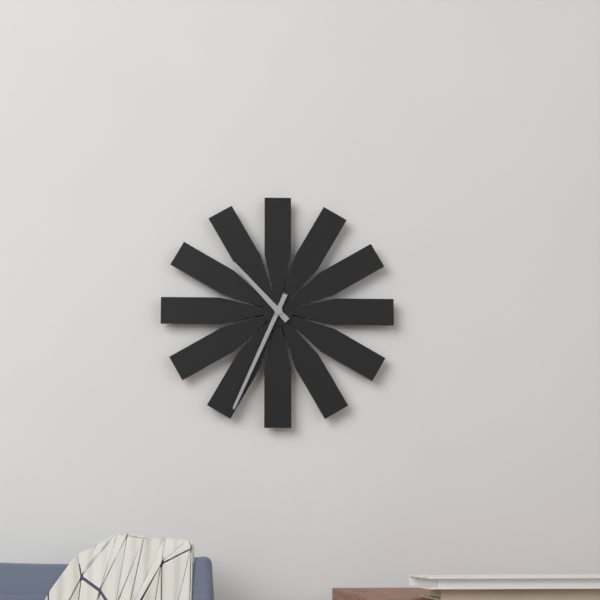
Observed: 10 h 34 min
